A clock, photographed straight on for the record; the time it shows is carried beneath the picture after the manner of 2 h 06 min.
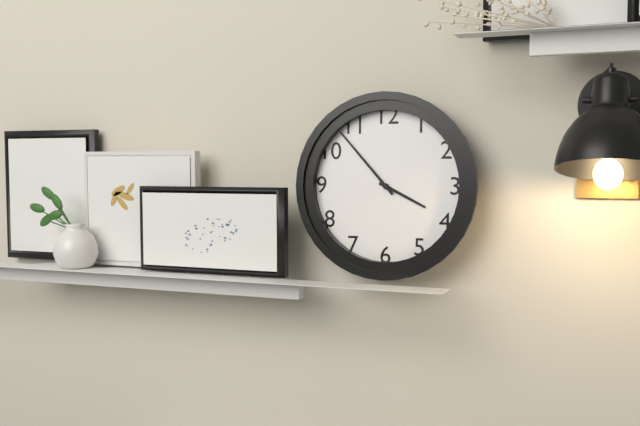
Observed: 3 h 53 min
